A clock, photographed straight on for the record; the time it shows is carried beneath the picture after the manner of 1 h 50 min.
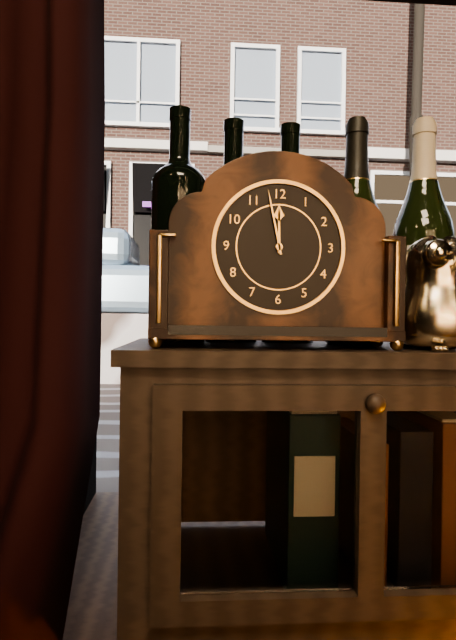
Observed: 11 h 58 min
